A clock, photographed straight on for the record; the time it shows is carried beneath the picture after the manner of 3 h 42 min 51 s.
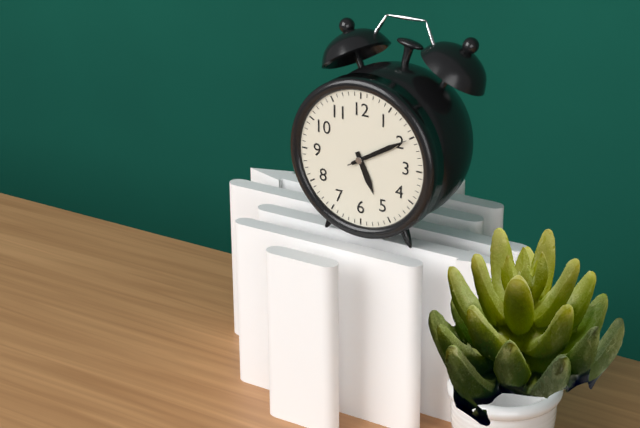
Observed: 5 h 10 min 10 s
